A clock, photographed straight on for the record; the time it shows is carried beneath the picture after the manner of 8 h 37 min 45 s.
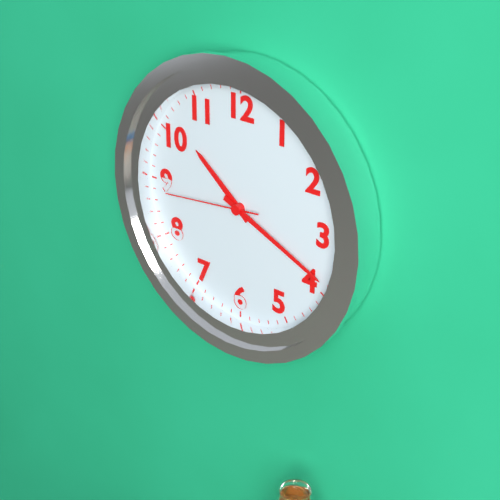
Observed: 10 h 19 min 44 s
